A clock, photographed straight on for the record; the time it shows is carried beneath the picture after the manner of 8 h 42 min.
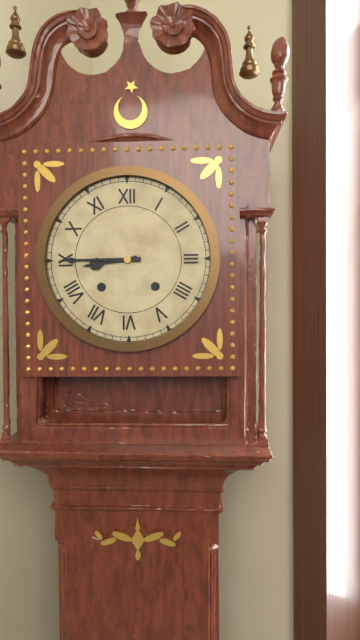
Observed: 8 h 45 min
